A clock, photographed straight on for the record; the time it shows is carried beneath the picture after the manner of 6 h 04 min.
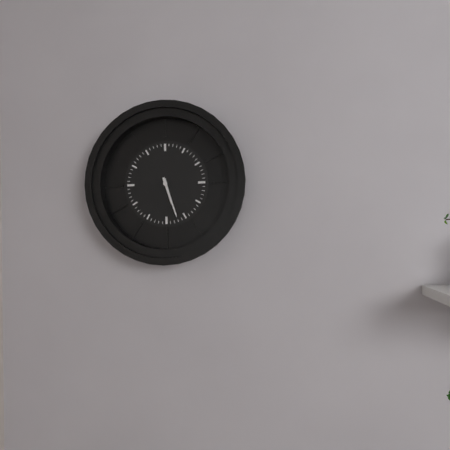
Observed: 5 h 27 min
